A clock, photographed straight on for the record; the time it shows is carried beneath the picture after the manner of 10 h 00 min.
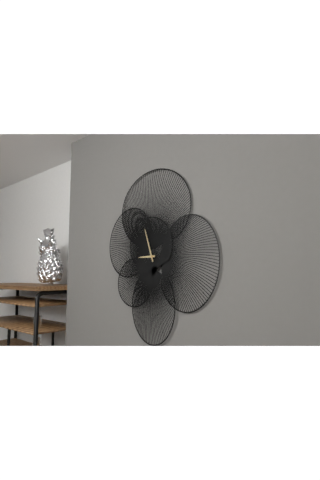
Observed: 8 h 57 min
